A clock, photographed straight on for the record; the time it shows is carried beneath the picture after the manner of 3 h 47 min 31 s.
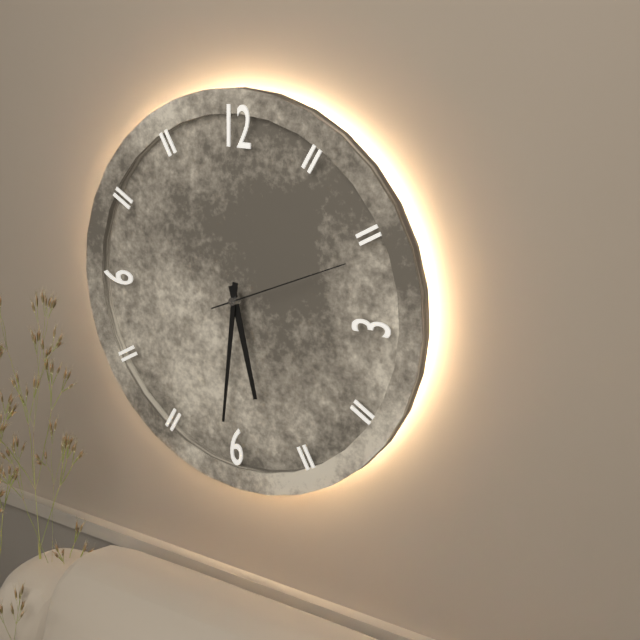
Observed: 5 h 31 min 11 s
